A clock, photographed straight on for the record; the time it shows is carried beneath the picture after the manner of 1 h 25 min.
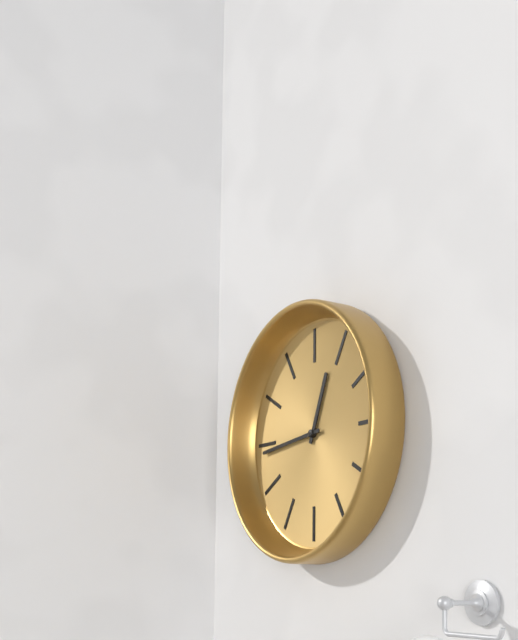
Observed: 12 h 44 min
